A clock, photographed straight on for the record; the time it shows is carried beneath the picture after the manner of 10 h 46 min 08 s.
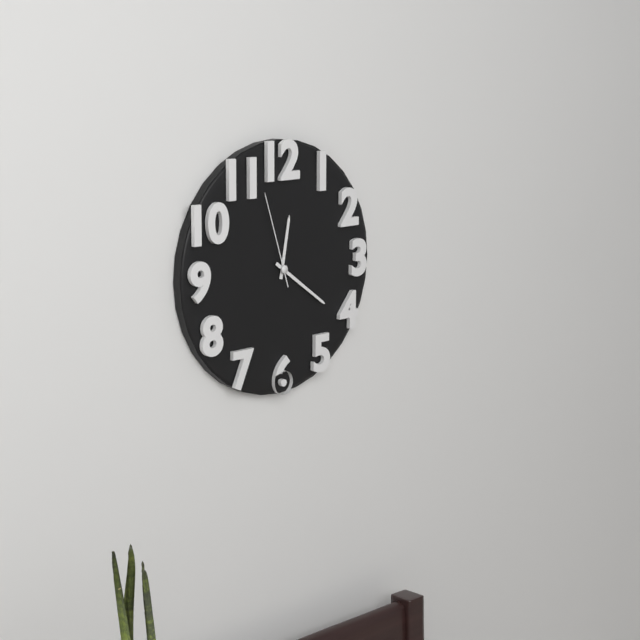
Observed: 12 h 21 min 57 s
